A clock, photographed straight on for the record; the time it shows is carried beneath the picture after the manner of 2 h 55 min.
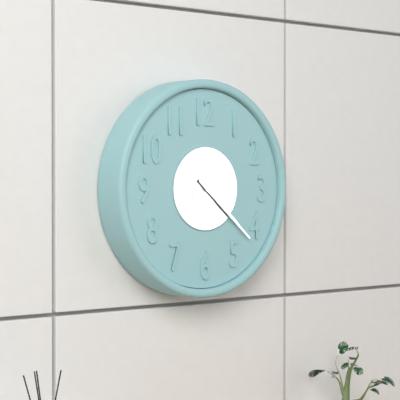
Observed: 4 h 22 min
